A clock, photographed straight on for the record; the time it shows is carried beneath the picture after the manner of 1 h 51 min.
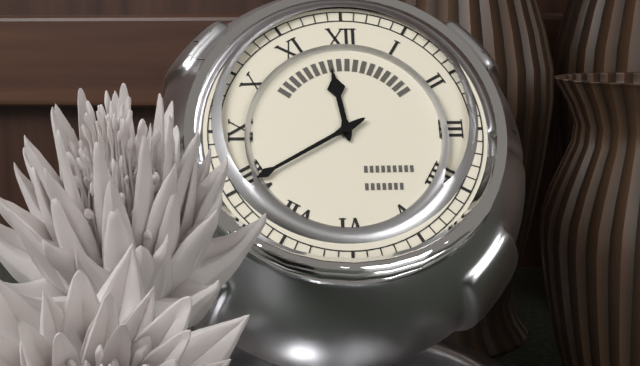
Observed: 11 h 40 min
